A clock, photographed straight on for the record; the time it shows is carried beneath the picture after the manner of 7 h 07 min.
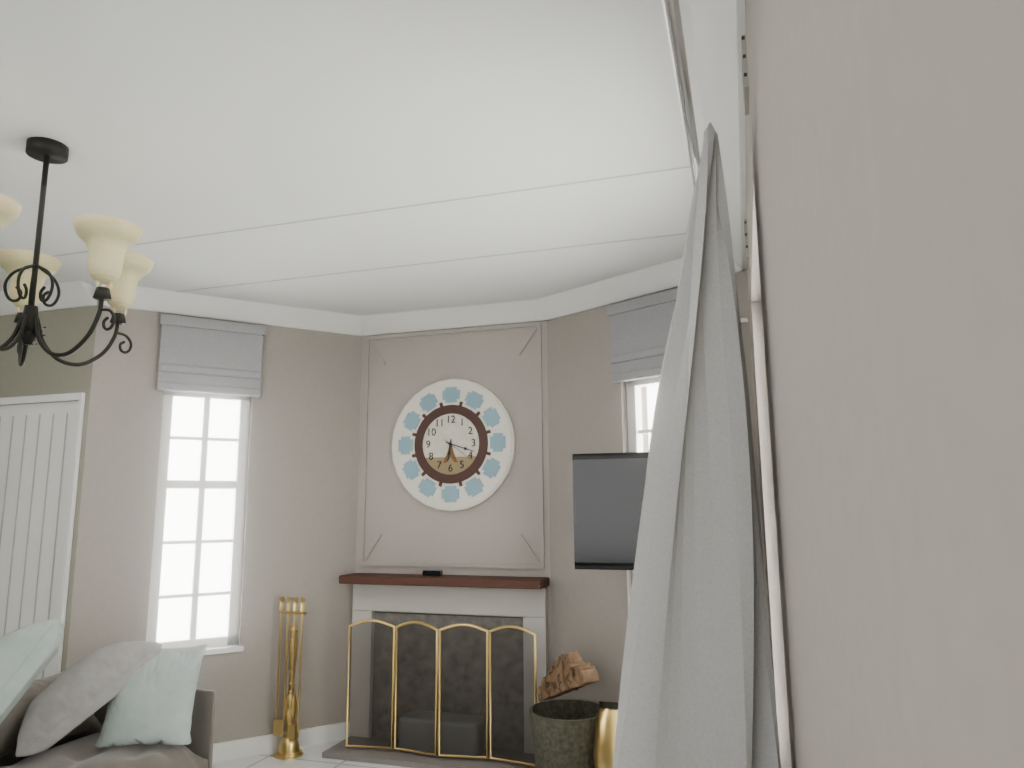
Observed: 6 h 18 min
